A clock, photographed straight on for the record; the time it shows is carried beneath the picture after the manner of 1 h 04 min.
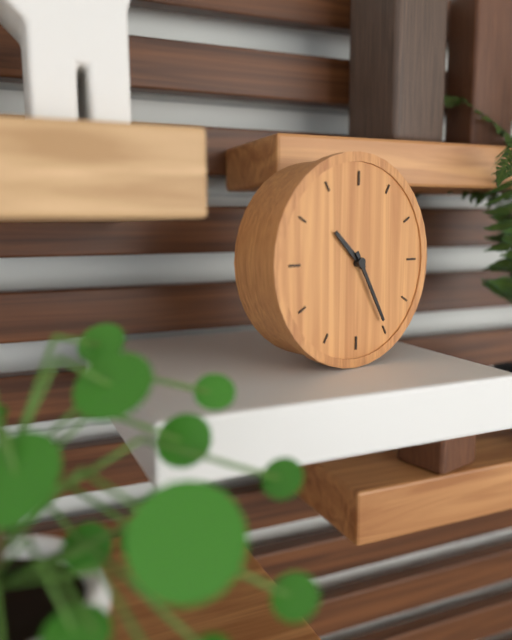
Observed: 10 h 25 min
